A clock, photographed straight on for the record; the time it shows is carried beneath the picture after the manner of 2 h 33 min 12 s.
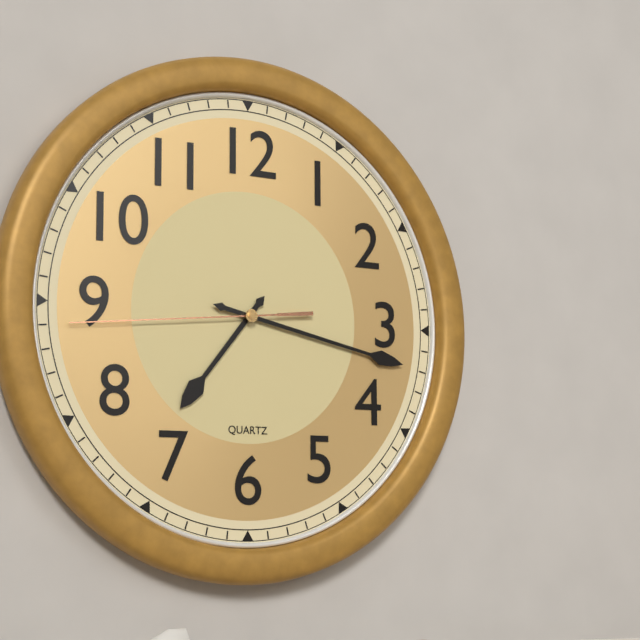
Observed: 7 h 17 min 44 s
